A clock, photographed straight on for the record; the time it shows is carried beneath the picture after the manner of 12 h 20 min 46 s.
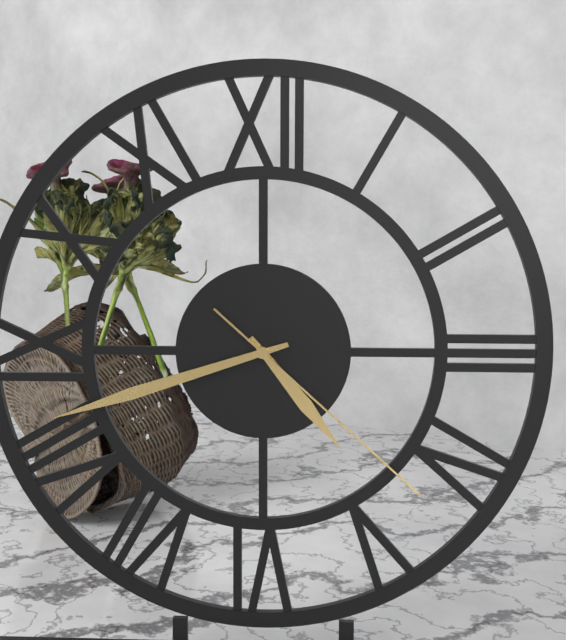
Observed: 4 h 42 min 22 s
